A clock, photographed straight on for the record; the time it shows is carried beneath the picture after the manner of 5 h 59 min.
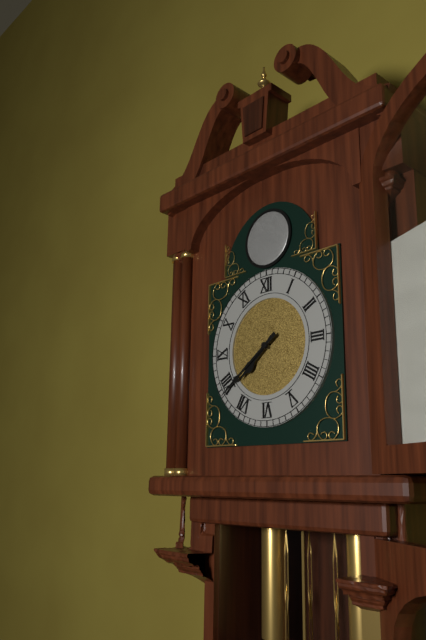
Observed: 7 h 39 min
